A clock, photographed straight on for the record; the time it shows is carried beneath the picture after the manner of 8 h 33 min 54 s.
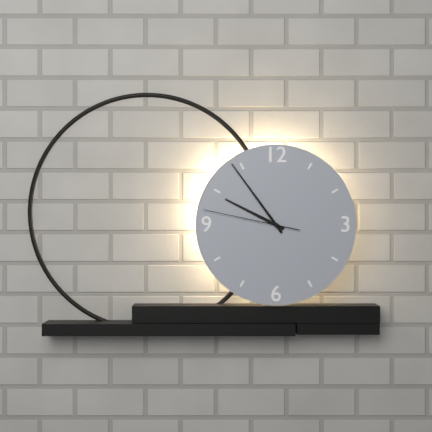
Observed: 9 h 54 min 47 s
